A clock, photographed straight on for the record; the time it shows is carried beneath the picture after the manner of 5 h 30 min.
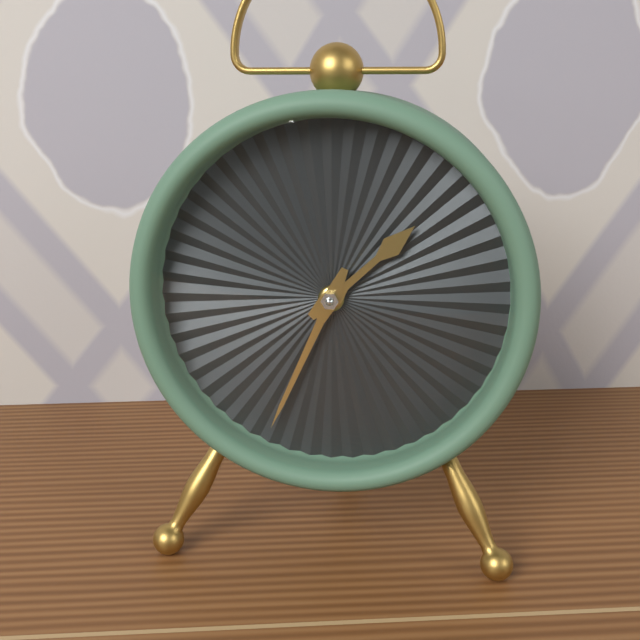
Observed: 1 h 34 min
